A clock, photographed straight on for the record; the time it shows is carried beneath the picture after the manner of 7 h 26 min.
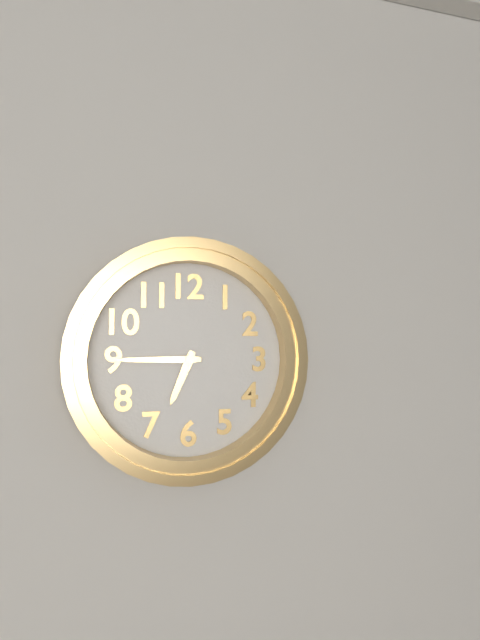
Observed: 6 h 45 min
